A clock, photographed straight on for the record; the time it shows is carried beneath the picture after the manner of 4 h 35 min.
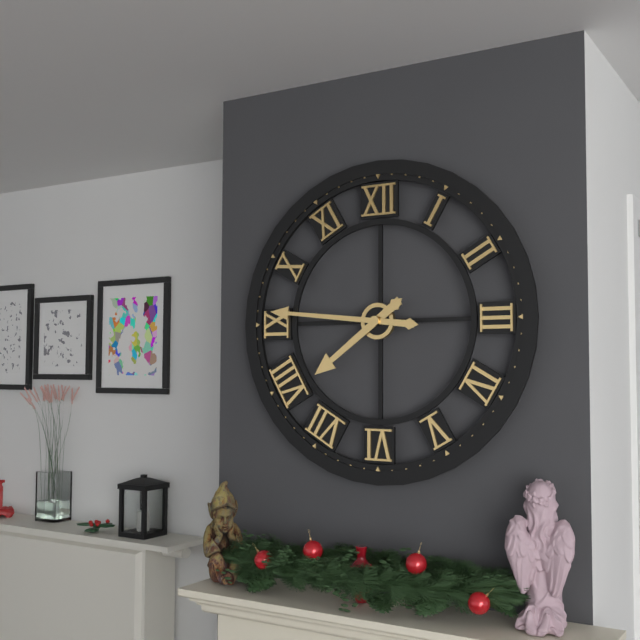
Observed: 7 h 46 min
